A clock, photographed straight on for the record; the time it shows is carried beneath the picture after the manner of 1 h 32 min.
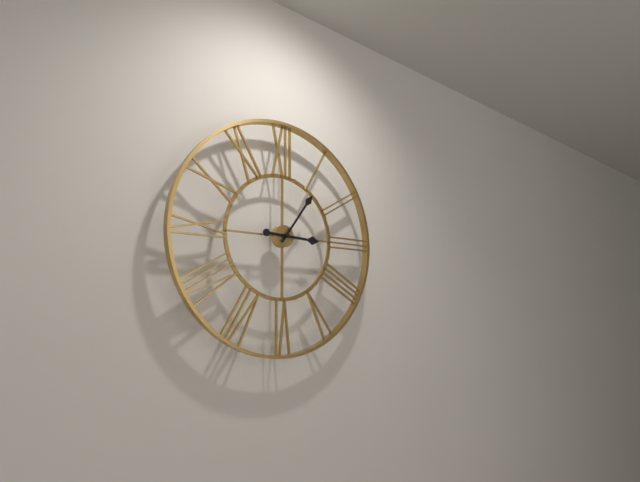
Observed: 3 h 06 min
